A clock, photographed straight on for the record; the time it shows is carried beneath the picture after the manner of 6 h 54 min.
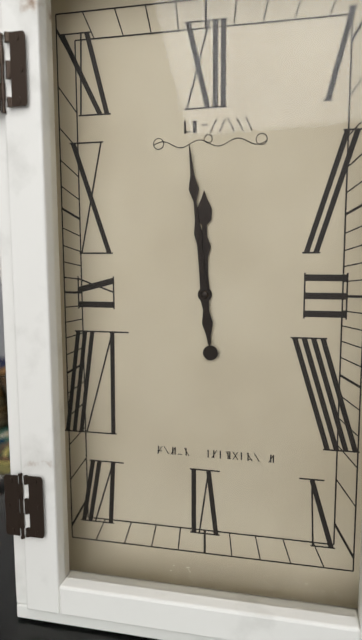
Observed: 11 h 59 min
